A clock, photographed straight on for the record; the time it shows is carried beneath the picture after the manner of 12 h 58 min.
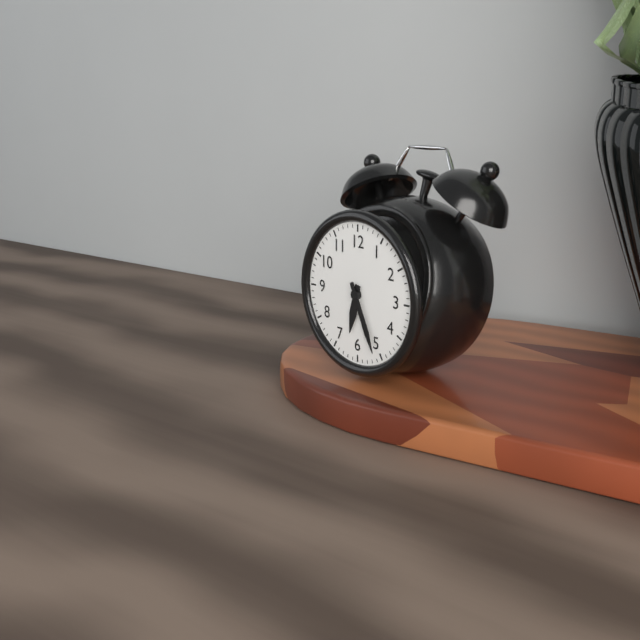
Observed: 6 h 26 min
